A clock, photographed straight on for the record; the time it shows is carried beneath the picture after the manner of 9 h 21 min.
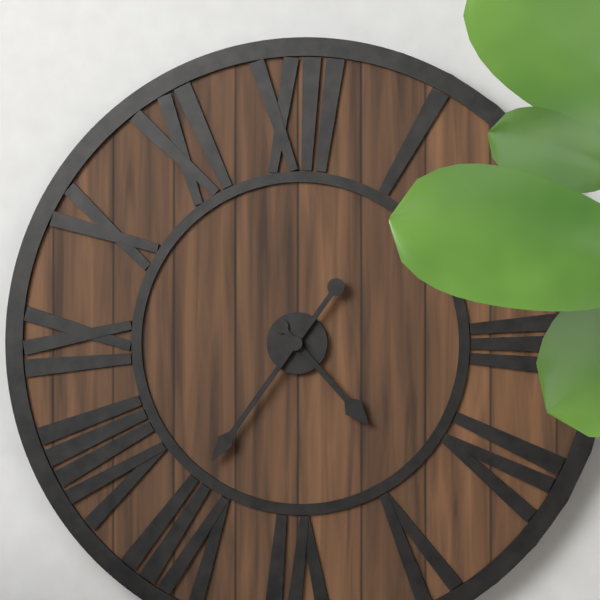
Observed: 4 h 36 min
